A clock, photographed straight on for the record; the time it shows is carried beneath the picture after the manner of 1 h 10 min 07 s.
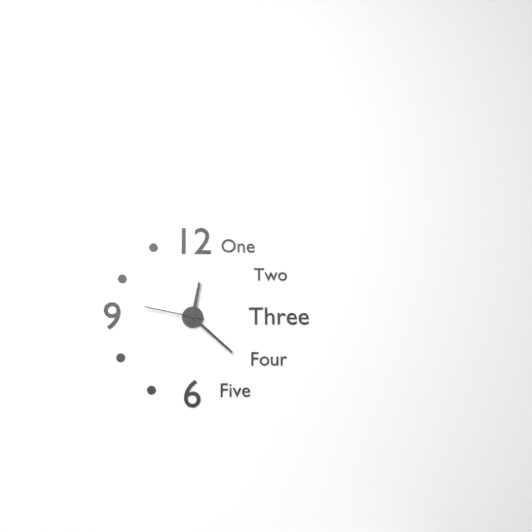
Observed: 12 h 22 min 47 s
